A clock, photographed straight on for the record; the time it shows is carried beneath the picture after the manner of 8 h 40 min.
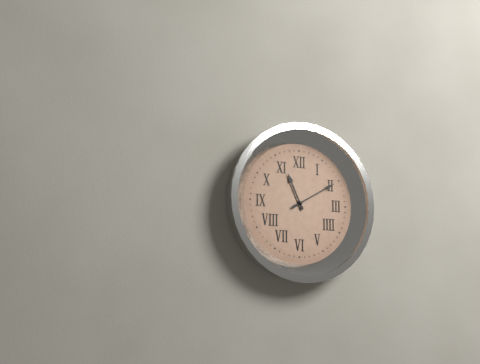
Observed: 11 h 10 min
